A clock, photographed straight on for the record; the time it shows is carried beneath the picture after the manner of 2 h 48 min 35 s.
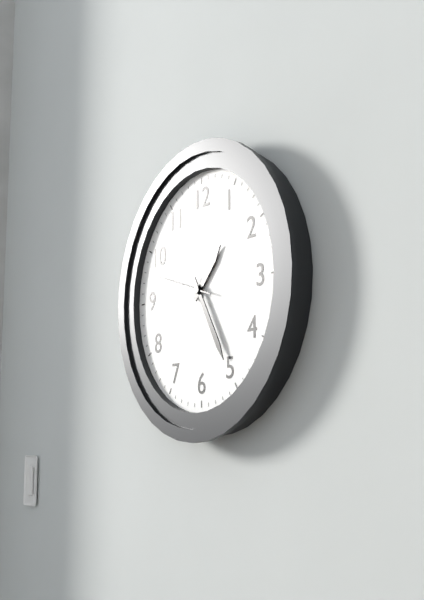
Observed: 1 h 25 min 48 s
